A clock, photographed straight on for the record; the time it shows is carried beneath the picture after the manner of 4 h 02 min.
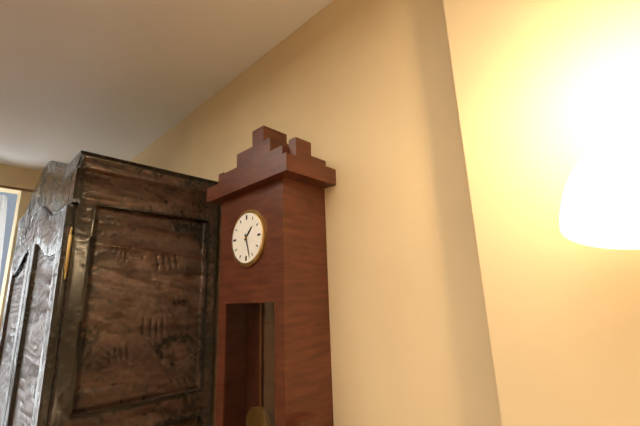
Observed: 1 h 27 min
